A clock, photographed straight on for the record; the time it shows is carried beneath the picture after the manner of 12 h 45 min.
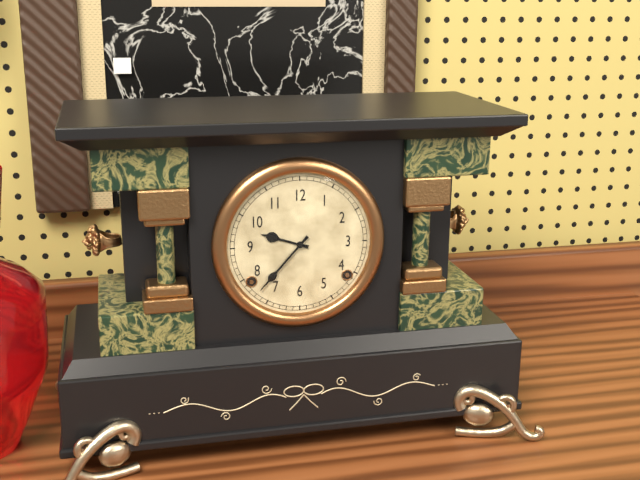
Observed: 9 h 37 min
